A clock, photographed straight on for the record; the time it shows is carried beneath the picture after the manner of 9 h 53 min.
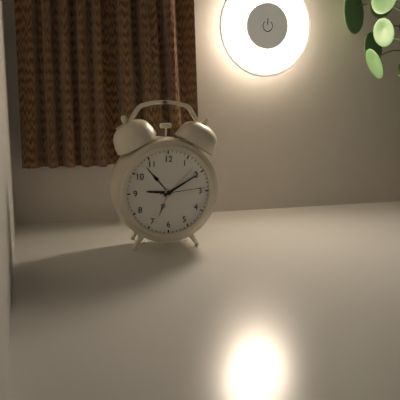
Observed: 9 h 10 min
